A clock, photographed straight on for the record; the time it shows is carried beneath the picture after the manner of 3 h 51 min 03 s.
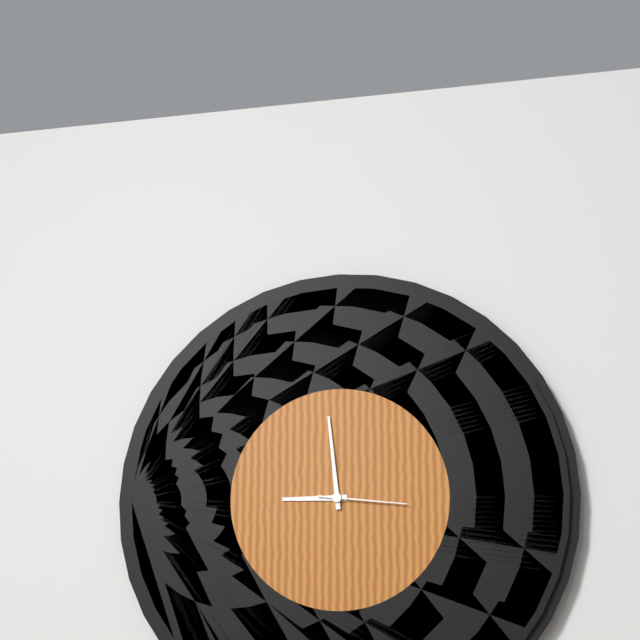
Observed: 8 h 59 min 16 s
